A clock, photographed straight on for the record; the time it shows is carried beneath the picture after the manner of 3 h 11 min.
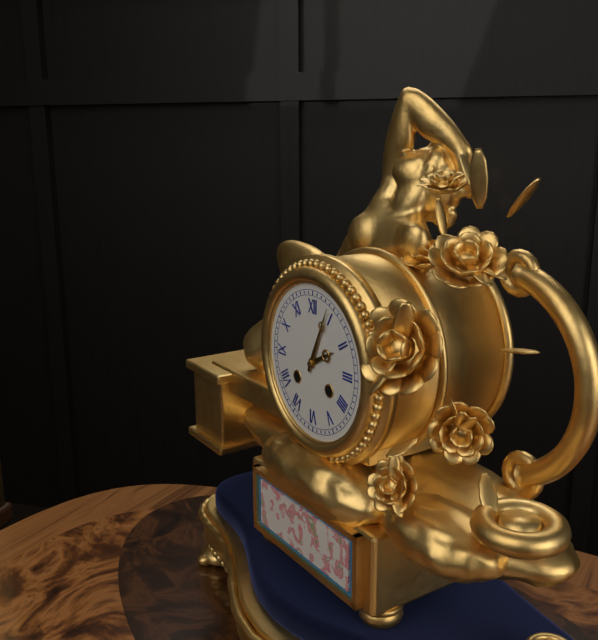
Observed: 2 h 04 min
